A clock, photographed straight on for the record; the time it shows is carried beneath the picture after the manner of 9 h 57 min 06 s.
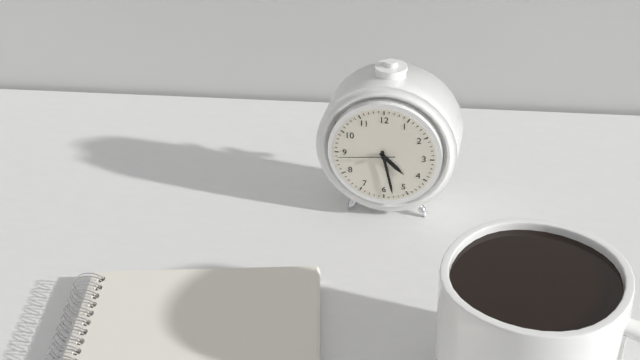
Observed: 4 h 28 min 44 s
